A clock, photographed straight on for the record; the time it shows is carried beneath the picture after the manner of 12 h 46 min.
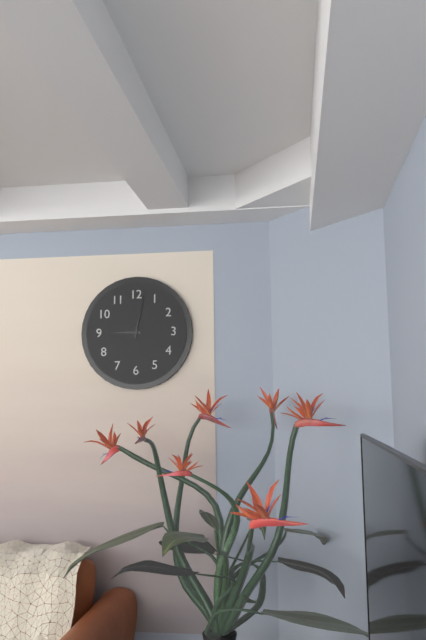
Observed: 9 h 02 min
